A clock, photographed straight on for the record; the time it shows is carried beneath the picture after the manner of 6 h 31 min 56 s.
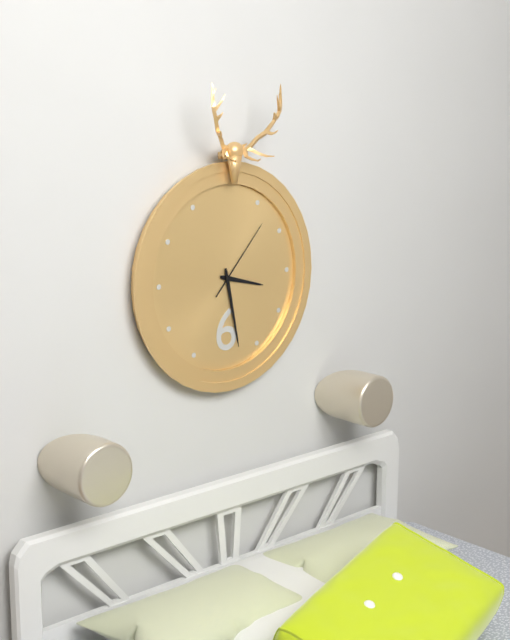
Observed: 3 h 28 min 07 s
